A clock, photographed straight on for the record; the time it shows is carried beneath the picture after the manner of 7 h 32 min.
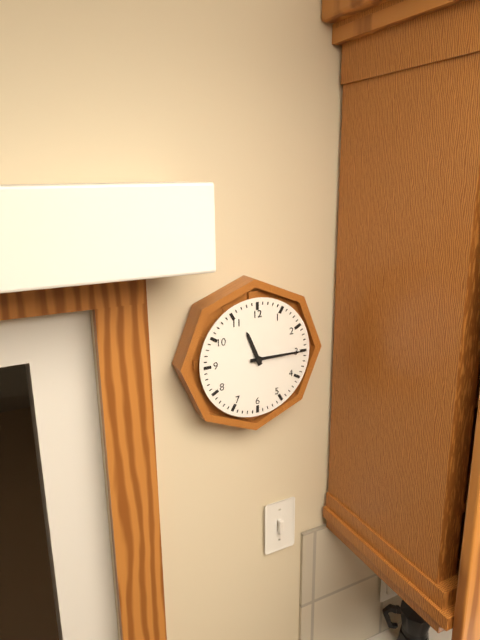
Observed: 11 h 15 min
